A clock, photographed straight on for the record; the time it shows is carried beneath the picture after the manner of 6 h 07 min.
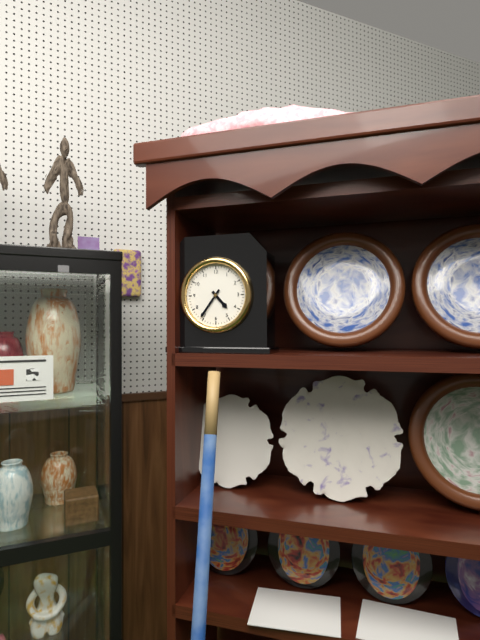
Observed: 4 h 36 min
